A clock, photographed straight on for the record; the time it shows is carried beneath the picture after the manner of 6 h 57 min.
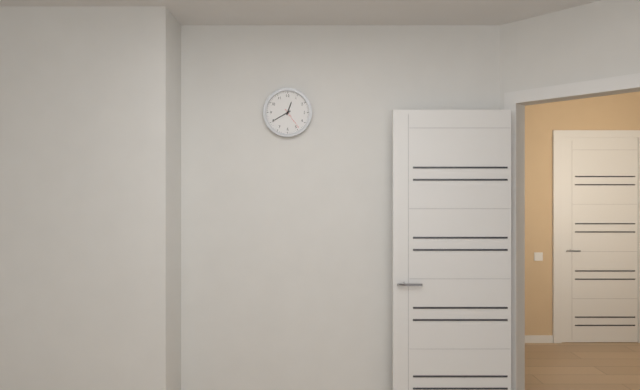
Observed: 12 h 40 min
